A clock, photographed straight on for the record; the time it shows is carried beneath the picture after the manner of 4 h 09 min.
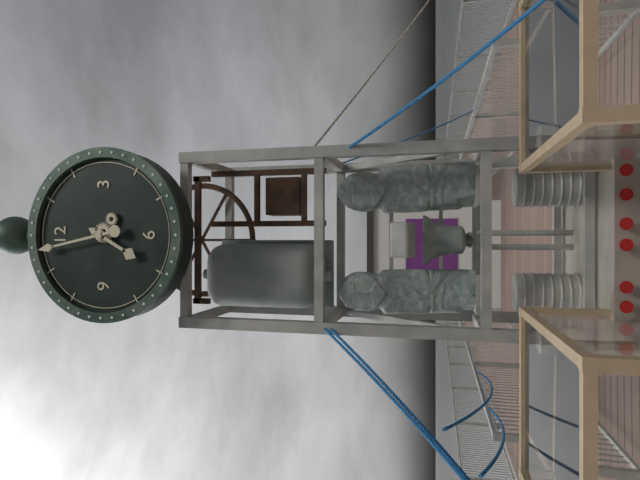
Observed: 6 h 58 min
